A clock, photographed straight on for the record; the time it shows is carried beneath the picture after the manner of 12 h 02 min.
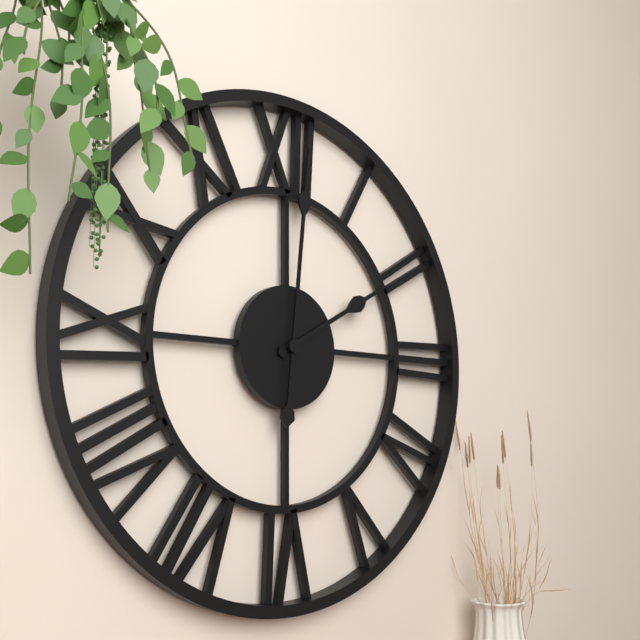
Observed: 2 h 01 min
